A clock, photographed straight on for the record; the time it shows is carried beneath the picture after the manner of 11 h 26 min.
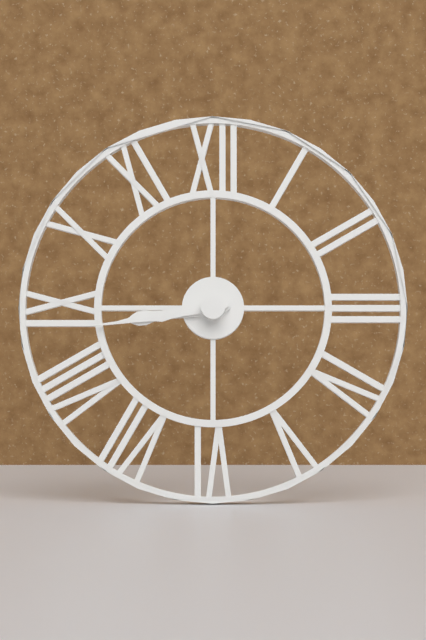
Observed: 8 h 43 min
